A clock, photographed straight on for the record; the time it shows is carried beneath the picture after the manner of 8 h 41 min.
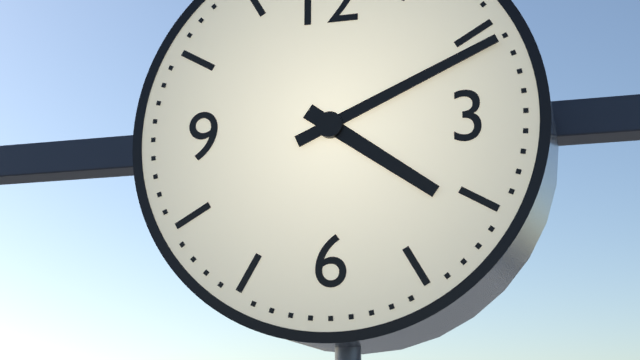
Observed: 4 h 11 min
